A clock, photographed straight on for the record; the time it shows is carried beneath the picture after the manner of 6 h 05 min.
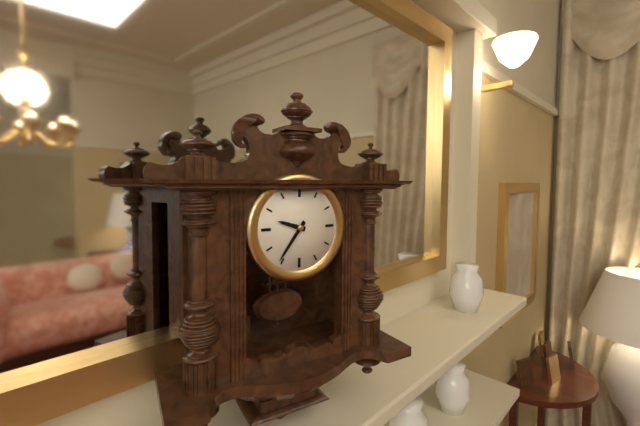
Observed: 9 h 36 min
